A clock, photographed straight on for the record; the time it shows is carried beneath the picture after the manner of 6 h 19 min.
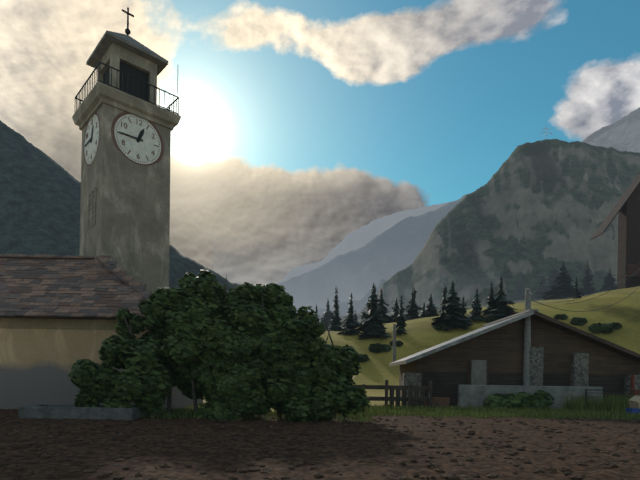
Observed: 12 h 45 min
